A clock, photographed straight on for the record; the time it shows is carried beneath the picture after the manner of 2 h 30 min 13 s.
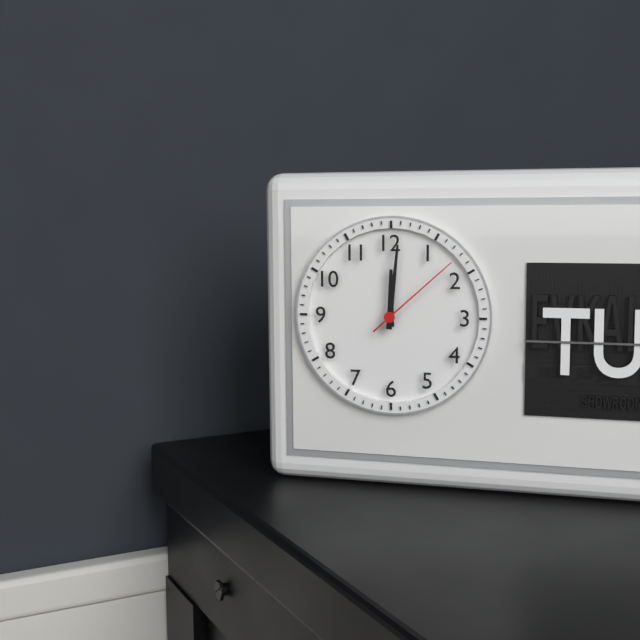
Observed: 12 h 01 min 08 s
